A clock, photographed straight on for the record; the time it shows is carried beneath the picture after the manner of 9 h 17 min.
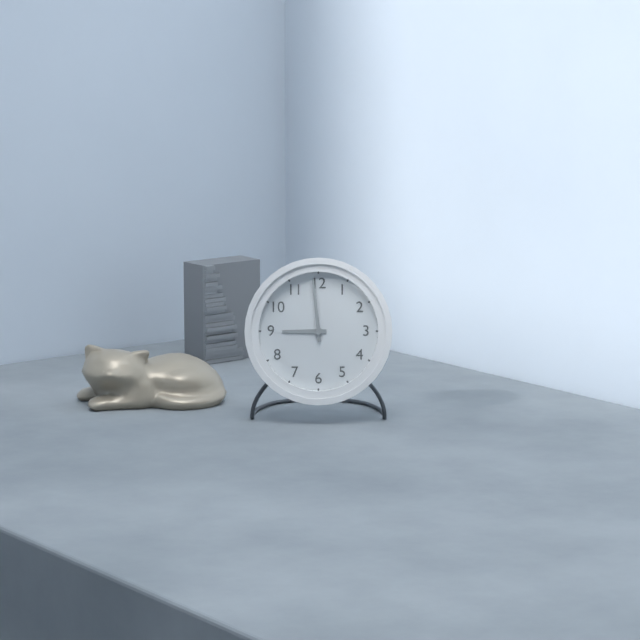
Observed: 8 h 59 min
